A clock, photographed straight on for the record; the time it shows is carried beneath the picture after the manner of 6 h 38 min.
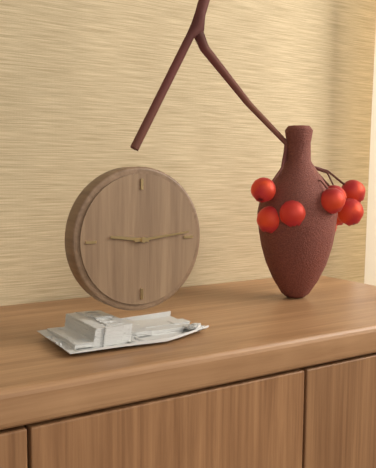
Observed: 9 h 14 min
